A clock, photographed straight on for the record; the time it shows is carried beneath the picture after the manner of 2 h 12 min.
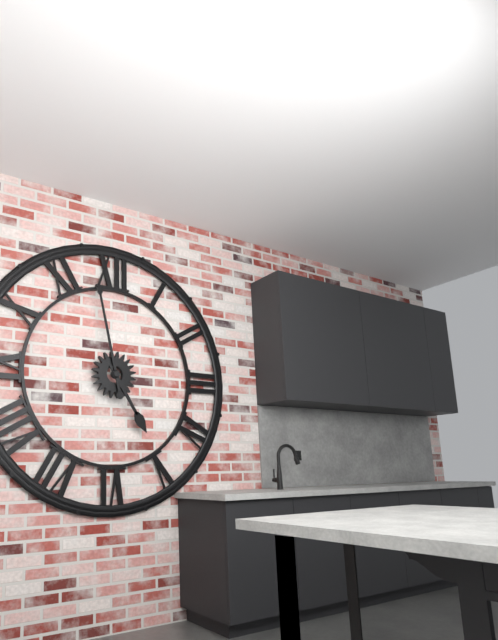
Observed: 4 h 58 min
